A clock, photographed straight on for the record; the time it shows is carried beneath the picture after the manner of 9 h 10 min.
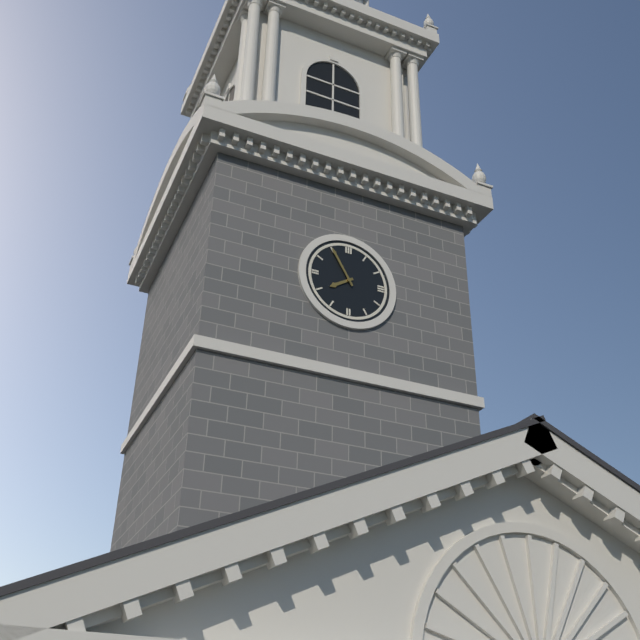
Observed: 7 h 55 min
